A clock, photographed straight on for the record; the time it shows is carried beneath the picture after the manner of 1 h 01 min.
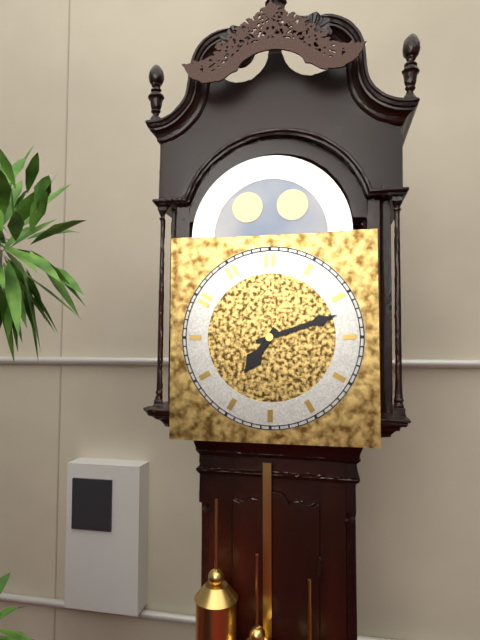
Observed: 7 h 12 min
